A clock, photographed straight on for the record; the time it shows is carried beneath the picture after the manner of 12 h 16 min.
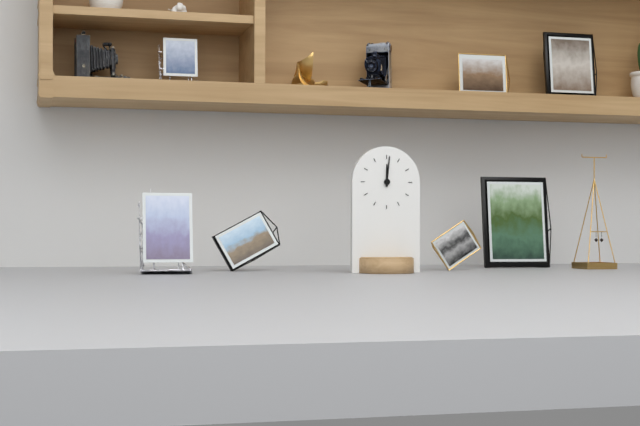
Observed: 12 h 01 min
